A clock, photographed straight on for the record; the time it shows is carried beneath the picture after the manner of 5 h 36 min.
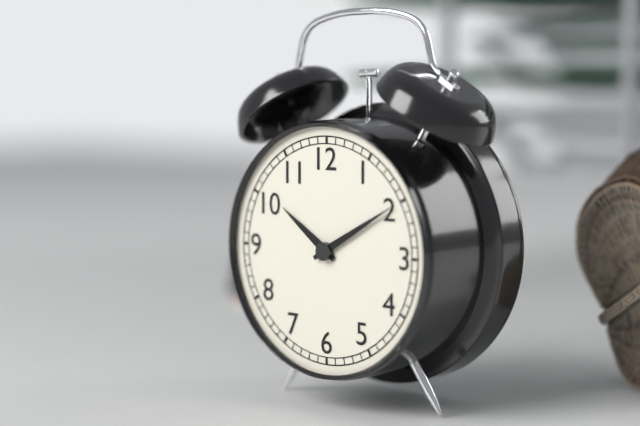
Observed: 10 h 10 min
